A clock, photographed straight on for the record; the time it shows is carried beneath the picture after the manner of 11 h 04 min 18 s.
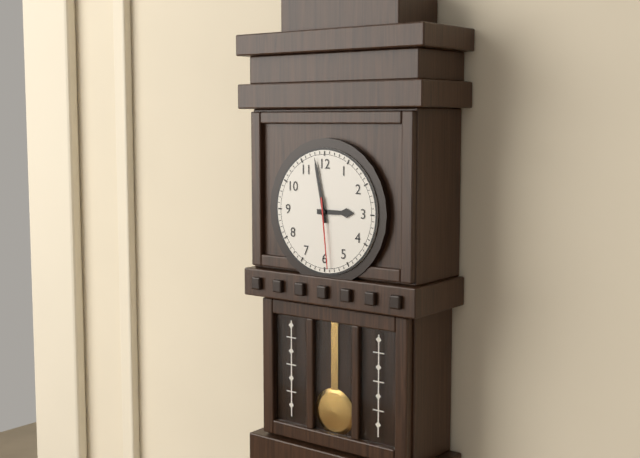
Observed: 2 h 58 min 29 s
